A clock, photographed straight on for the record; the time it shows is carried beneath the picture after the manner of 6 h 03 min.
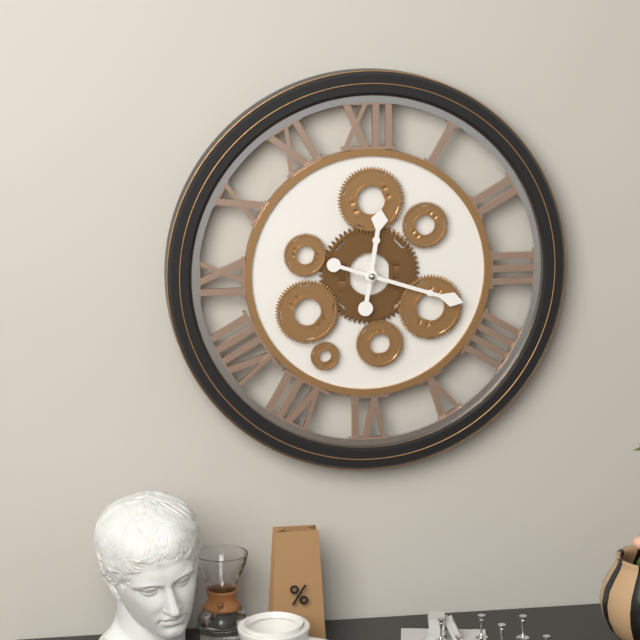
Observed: 12 h 18 min
